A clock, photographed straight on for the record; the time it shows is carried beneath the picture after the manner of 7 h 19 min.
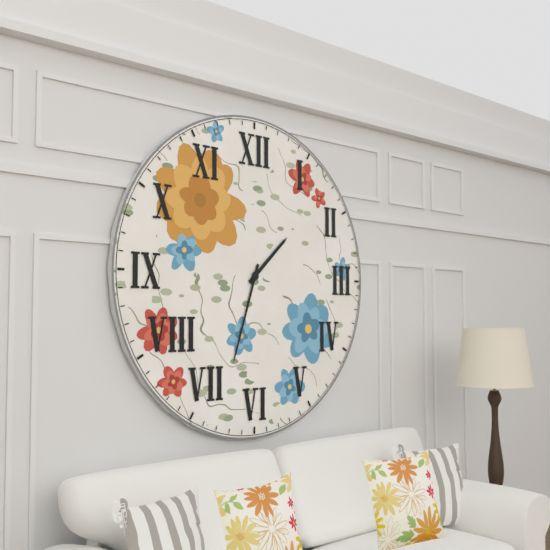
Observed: 1 h 33 min
